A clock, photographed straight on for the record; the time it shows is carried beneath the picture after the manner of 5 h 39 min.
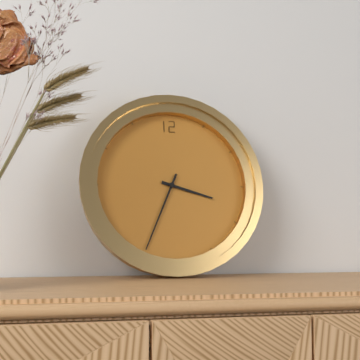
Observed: 3 h 34 min
